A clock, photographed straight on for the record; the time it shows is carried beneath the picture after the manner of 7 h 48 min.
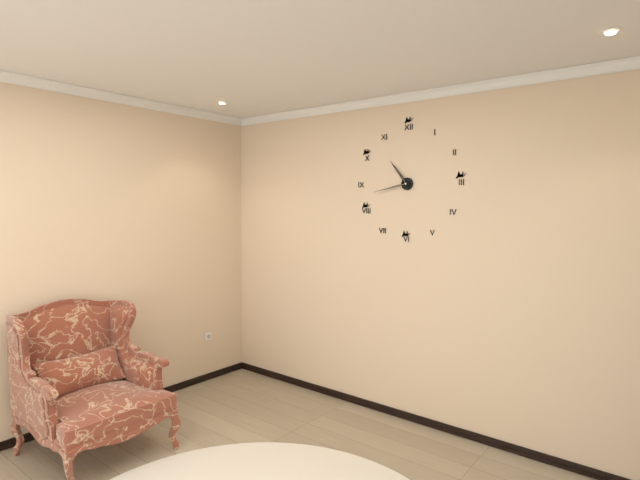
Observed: 10 h 43 min
